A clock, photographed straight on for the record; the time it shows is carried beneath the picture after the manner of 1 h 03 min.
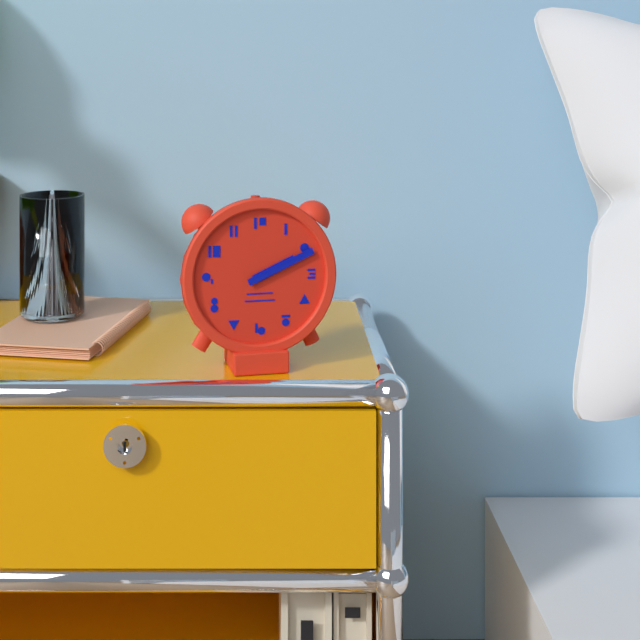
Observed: 2 h 11 min
